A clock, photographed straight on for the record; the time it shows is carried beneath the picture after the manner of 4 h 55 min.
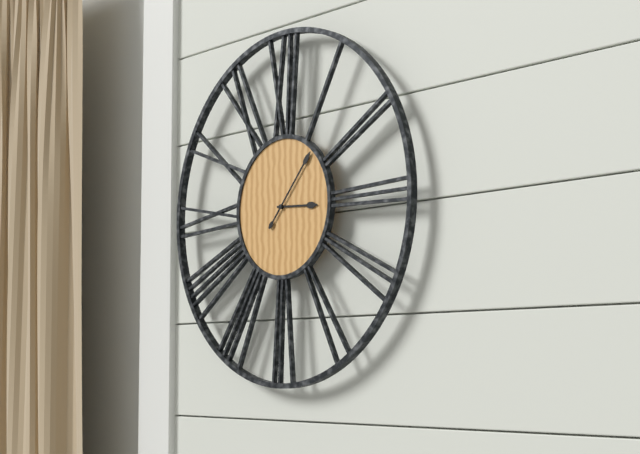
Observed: 3 h 07 min
